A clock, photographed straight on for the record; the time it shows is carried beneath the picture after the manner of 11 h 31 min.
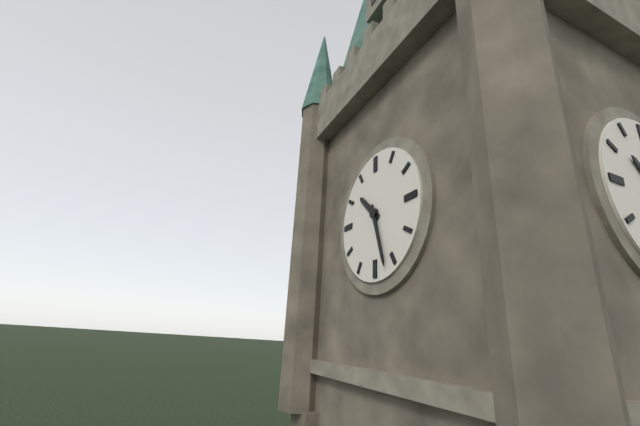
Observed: 10 h 27 min
